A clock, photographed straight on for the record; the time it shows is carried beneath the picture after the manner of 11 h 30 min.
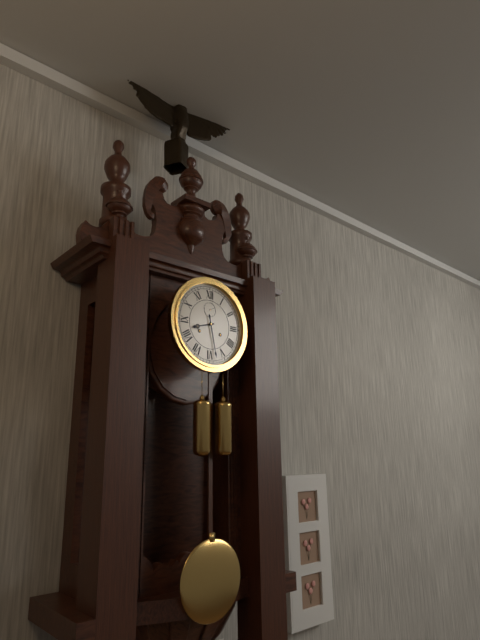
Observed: 8 h 28 min
